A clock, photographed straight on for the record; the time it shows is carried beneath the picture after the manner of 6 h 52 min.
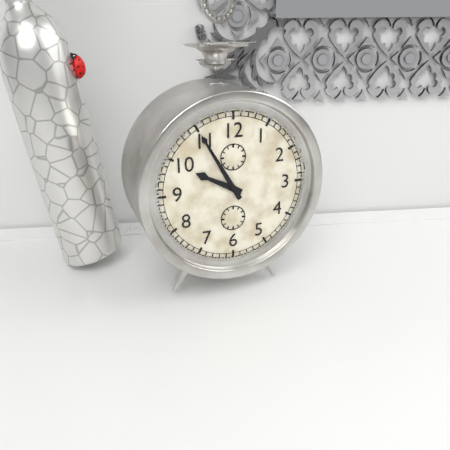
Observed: 9 h 55 min
